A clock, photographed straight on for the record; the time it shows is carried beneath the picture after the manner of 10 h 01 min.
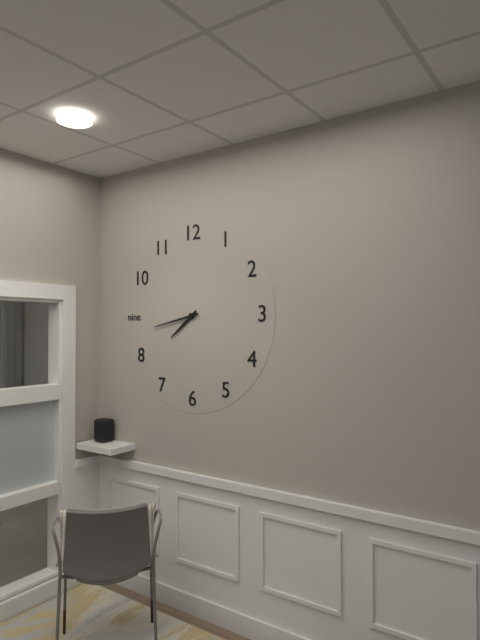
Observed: 7 h 43 min
